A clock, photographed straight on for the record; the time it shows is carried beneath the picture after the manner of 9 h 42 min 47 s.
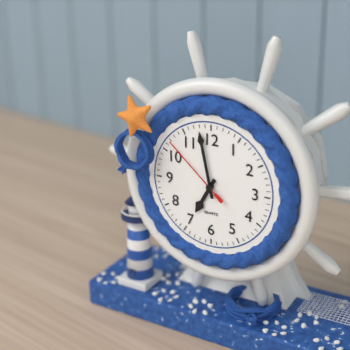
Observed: 6 h 58 min 52 s
